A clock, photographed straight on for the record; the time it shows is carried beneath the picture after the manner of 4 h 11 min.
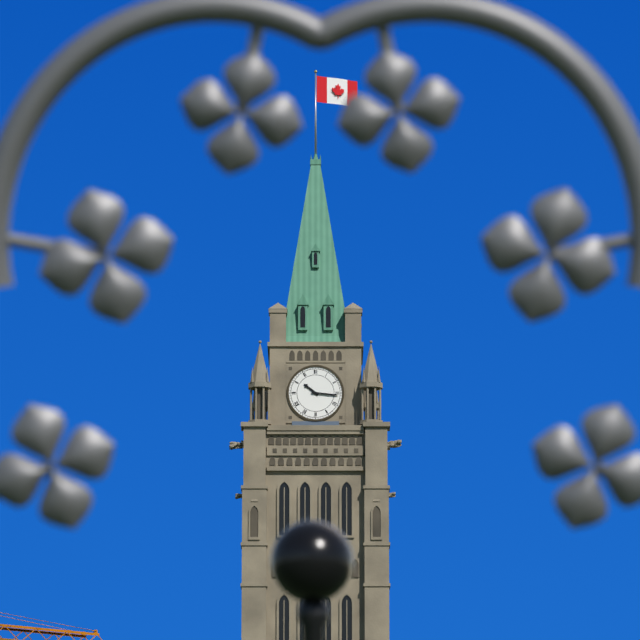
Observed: 10 h 16 min
